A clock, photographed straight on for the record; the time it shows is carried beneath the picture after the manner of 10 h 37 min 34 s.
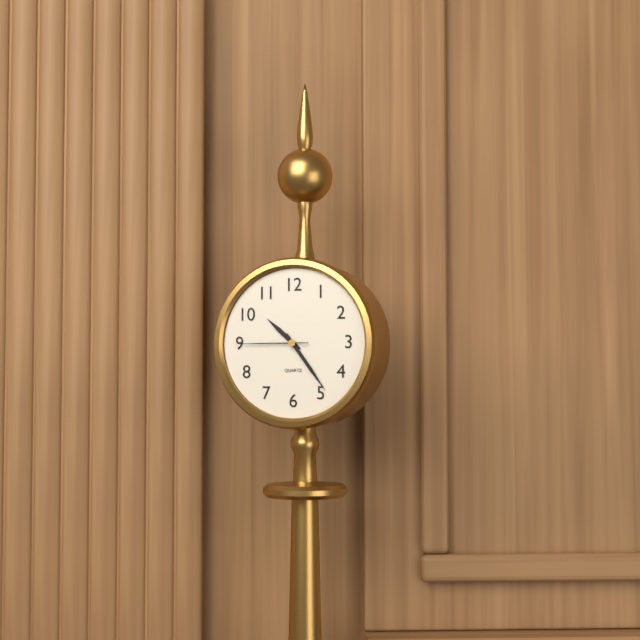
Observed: 10 h 24 min 45 s
